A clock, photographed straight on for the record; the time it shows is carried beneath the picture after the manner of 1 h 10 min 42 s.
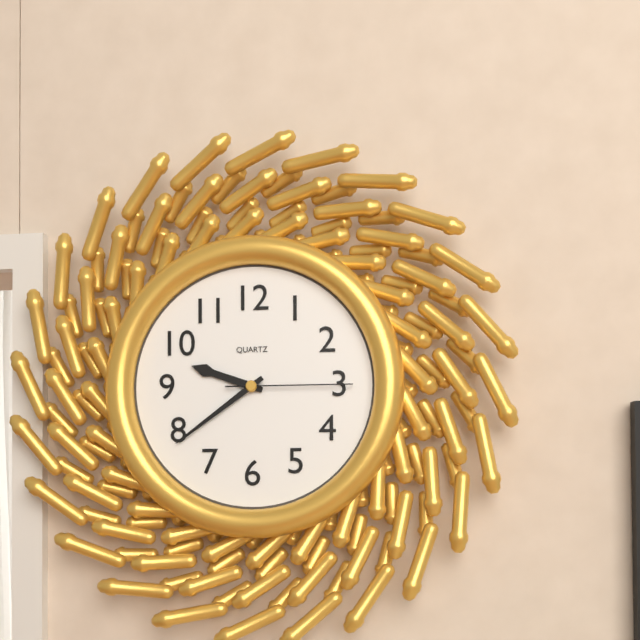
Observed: 9 h 39 min 15 s
